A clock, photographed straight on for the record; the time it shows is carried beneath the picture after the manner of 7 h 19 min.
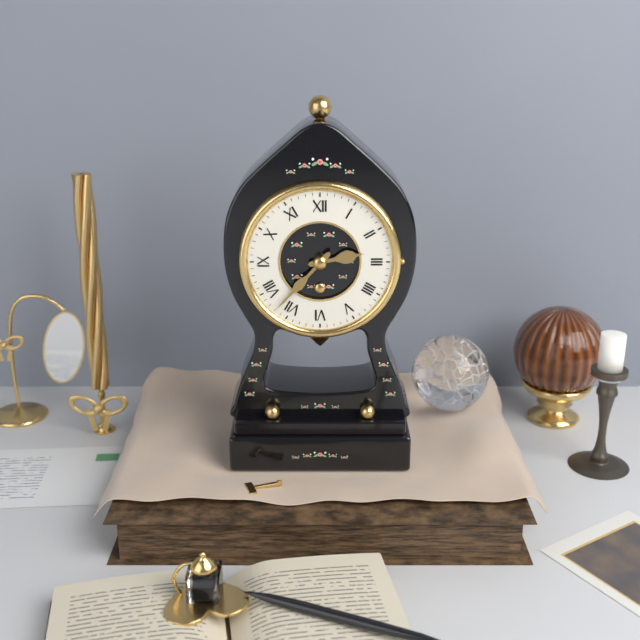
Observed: 2 h 37 min
